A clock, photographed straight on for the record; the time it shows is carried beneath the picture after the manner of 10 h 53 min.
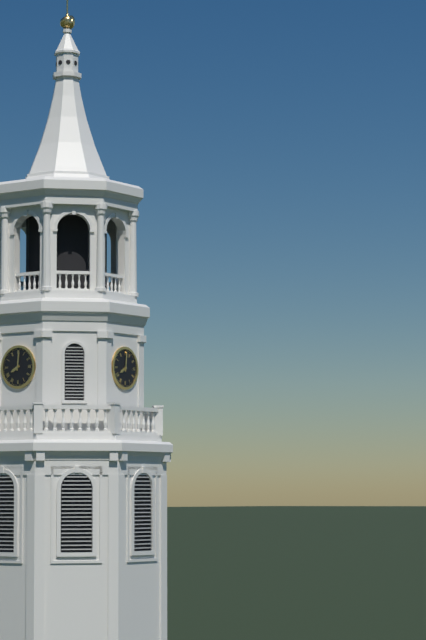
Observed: 8 h 01 min
